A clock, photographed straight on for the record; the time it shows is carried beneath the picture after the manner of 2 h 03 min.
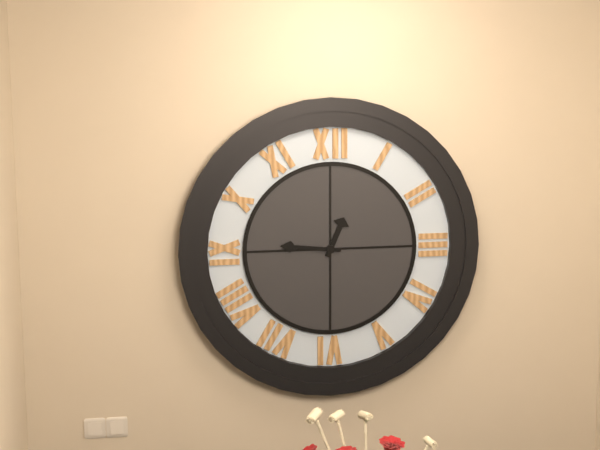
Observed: 12 h 46 min
